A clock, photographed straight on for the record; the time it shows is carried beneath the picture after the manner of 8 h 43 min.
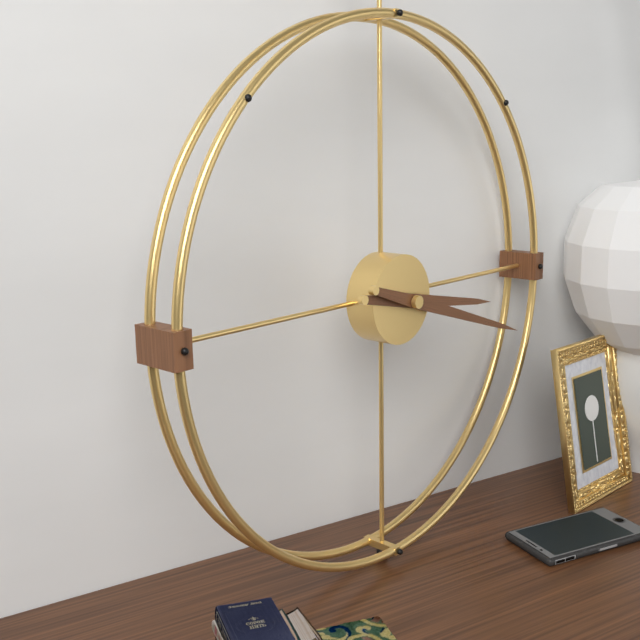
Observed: 3 h 18 min
